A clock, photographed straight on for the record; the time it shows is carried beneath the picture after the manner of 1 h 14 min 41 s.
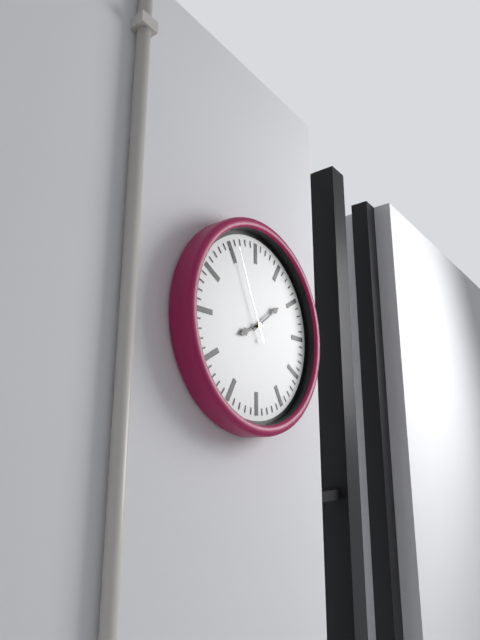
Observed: 8 h 09 min 56 s
